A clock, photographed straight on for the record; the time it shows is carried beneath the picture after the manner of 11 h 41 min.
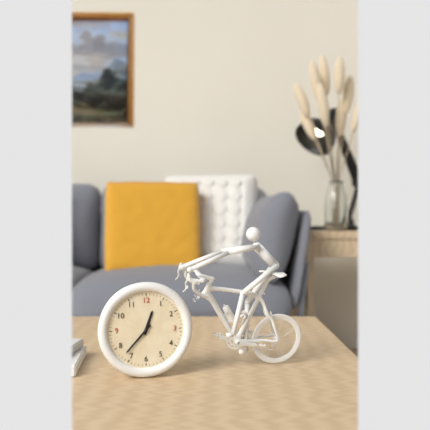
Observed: 12 h 37 min
